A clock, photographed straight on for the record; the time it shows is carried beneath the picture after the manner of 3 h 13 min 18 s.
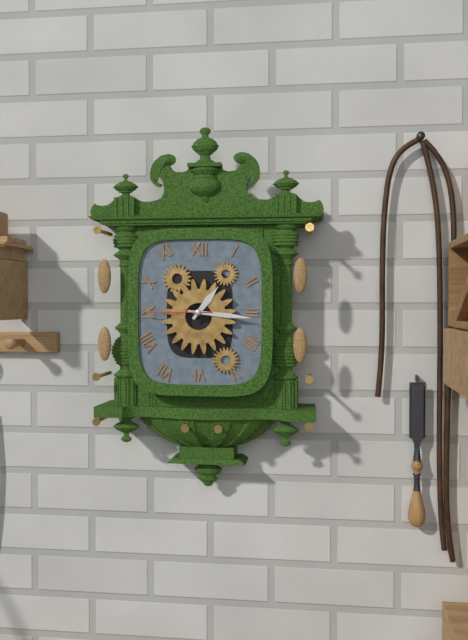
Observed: 1 h 16 min 45 s
